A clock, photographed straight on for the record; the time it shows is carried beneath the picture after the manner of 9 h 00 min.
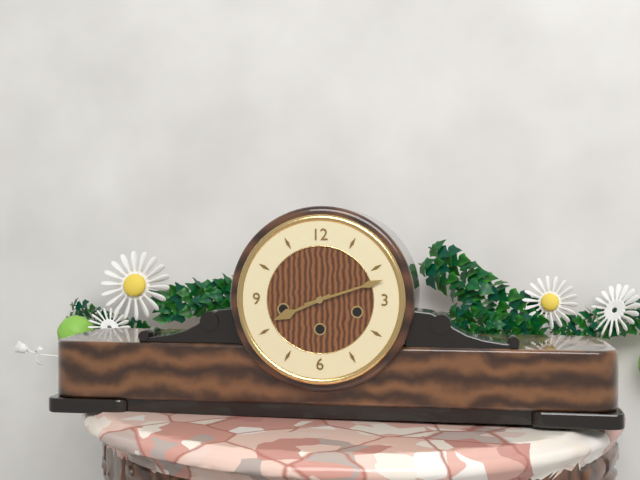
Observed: 8 h 12 min
